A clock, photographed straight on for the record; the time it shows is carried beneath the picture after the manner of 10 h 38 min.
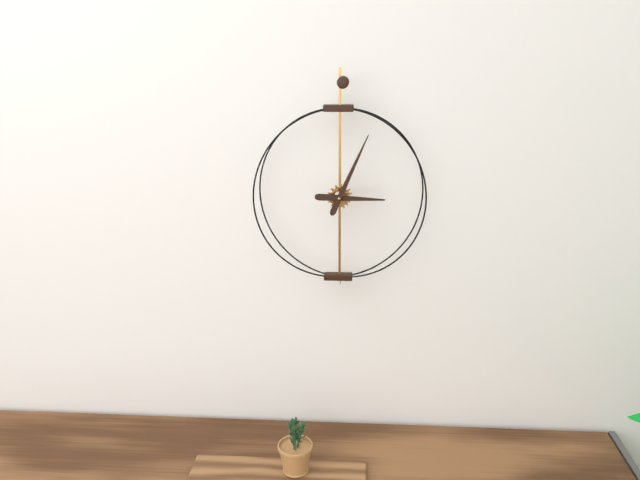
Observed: 3 h 04 min
